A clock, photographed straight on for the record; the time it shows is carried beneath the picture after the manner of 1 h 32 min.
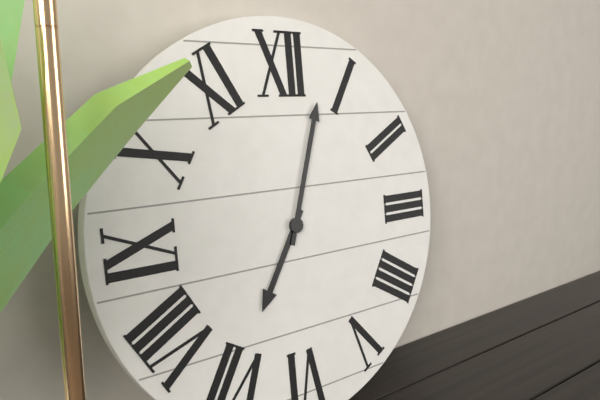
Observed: 7 h 03 min
